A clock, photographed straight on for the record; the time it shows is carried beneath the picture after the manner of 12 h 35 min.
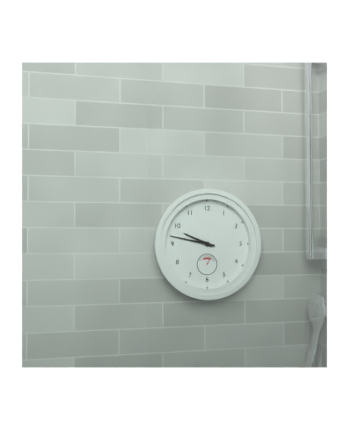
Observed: 9 h 47 min
